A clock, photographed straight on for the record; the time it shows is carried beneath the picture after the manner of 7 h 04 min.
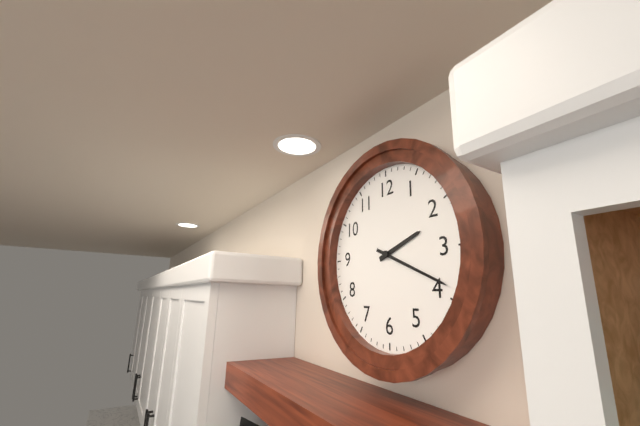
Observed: 2 h 19 min
